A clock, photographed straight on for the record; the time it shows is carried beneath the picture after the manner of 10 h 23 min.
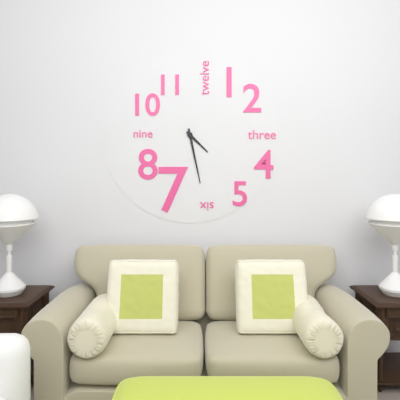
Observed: 4 h 28 min
